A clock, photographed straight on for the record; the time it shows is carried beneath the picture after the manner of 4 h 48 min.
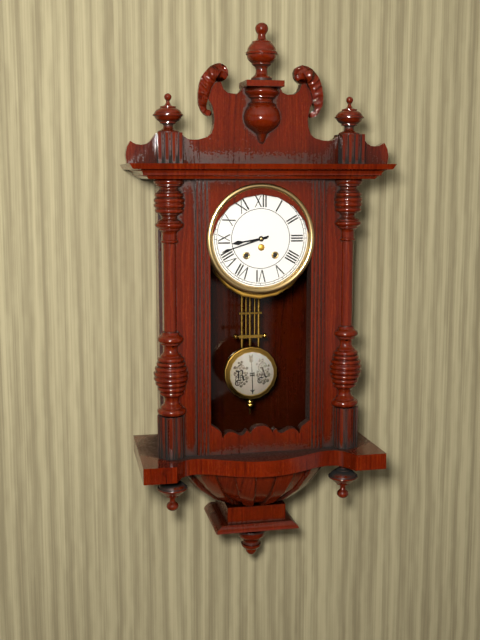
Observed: 8 h 42 min
